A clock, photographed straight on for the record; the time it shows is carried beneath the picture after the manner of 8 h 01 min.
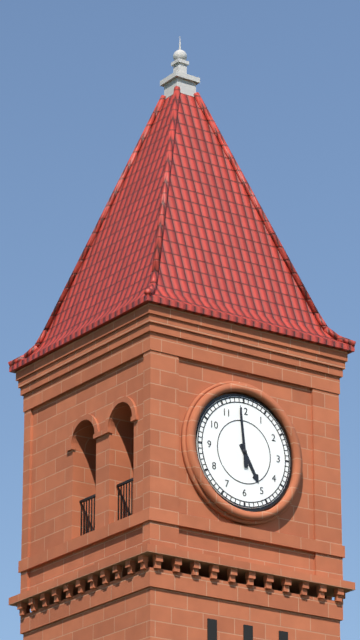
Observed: 4 h 59 min
